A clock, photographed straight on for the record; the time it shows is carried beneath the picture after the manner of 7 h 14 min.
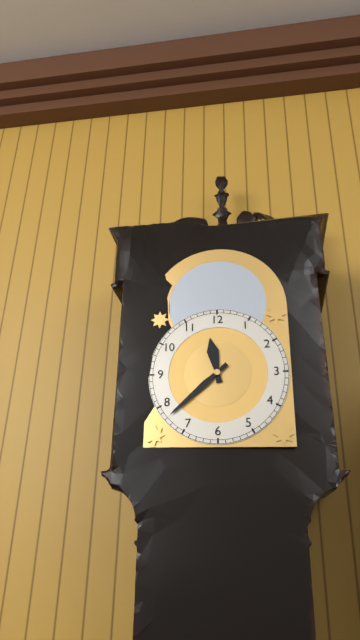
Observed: 11 h 38 min
